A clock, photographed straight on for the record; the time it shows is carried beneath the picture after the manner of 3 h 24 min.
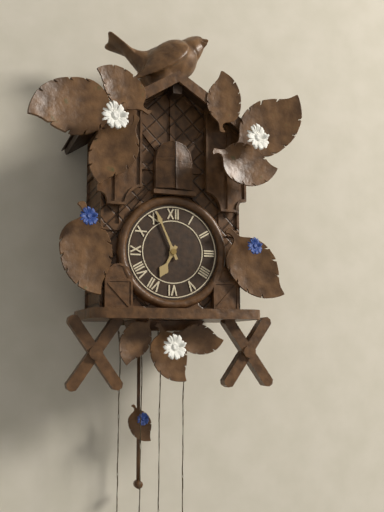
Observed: 6 h 56 min
